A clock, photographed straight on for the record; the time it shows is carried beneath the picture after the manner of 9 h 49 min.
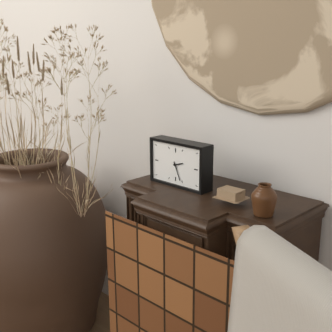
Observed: 2 h 26 min
